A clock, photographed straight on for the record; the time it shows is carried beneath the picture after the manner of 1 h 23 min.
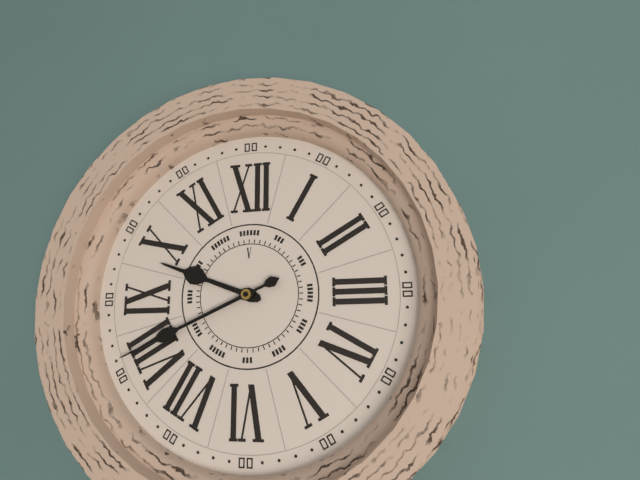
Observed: 9 h 41 min
